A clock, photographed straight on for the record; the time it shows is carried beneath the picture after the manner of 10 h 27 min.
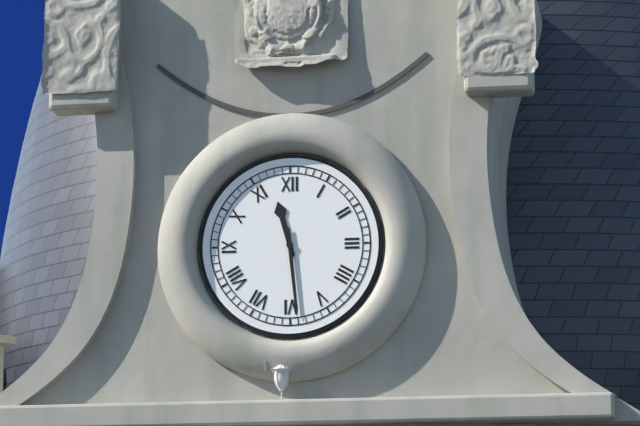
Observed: 11 h 29 min
